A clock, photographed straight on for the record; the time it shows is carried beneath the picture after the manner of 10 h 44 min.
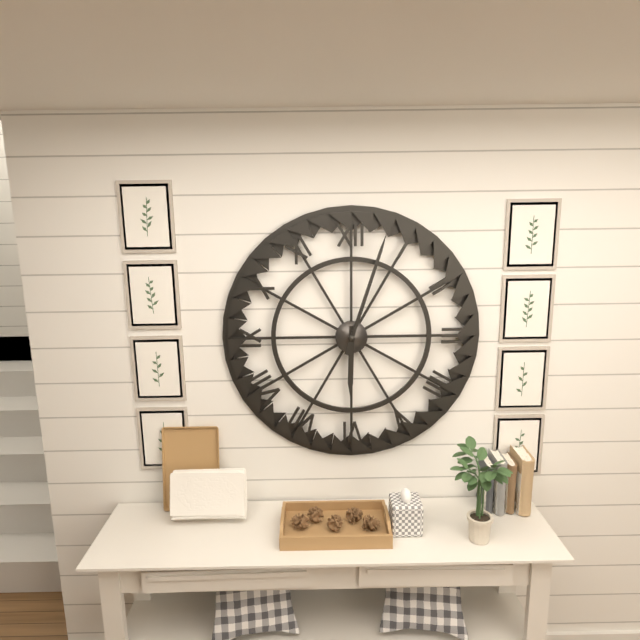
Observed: 6 h 03 min
